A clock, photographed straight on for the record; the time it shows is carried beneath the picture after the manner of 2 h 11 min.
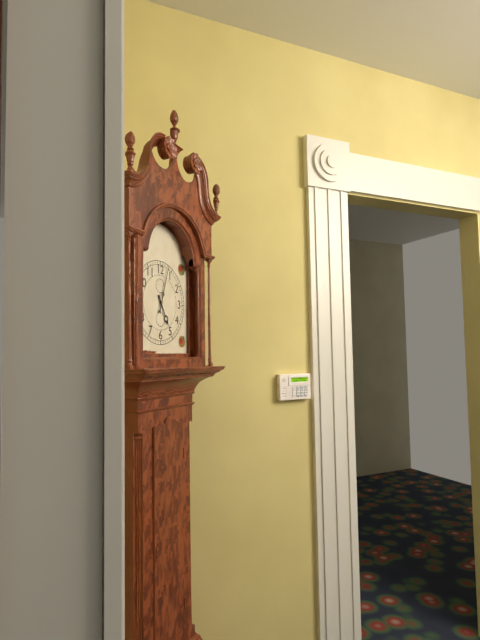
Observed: 5 h 03 min
